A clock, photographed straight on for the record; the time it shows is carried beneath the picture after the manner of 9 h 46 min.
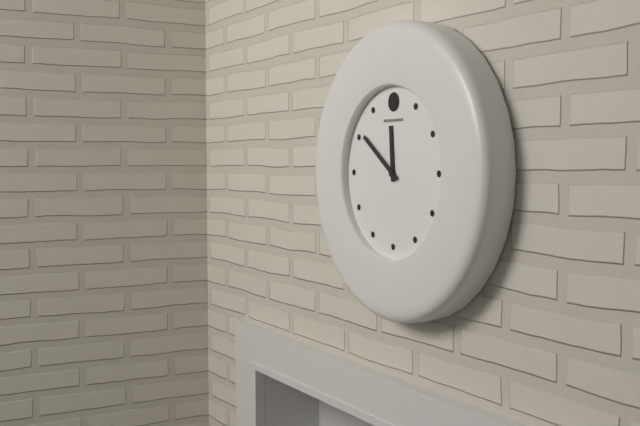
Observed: 11 h 51 min
